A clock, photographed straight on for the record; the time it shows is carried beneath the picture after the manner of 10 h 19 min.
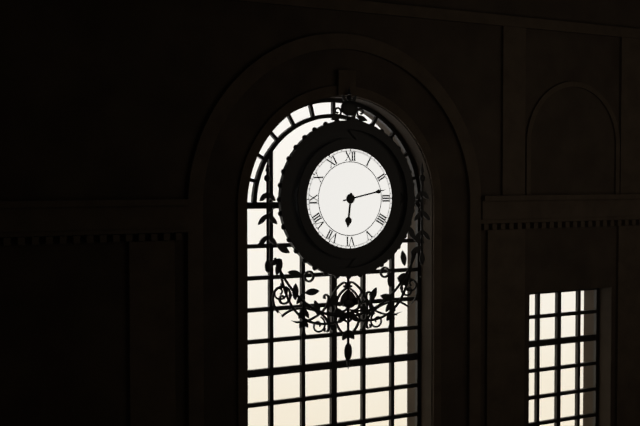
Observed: 6 h 13 min
